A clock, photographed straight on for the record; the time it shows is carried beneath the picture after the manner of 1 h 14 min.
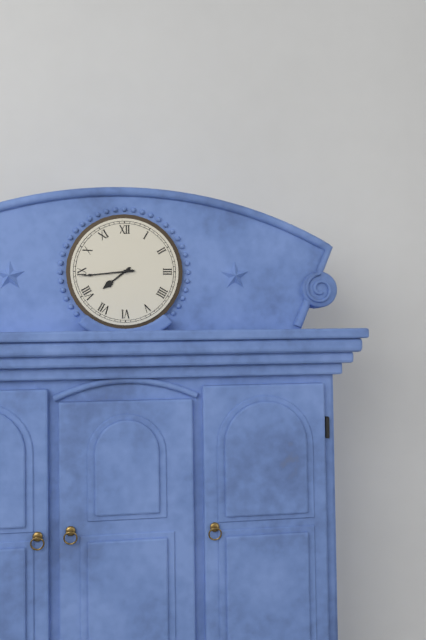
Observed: 7 h 44 min
